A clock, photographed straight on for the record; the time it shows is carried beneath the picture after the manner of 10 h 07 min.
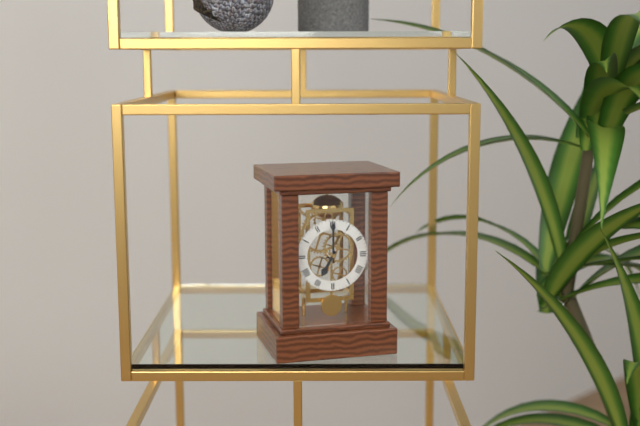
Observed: 7 h 00 min
